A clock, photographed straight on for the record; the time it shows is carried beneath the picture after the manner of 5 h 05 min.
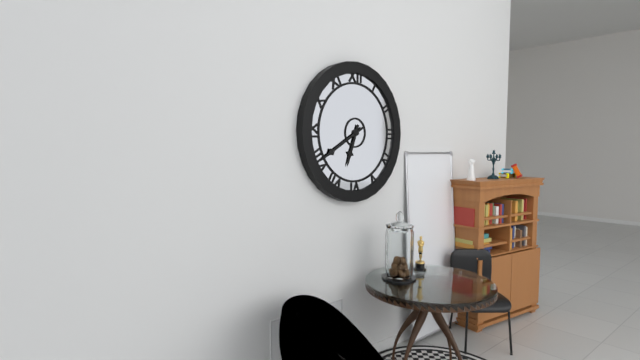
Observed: 6 h 40 min
